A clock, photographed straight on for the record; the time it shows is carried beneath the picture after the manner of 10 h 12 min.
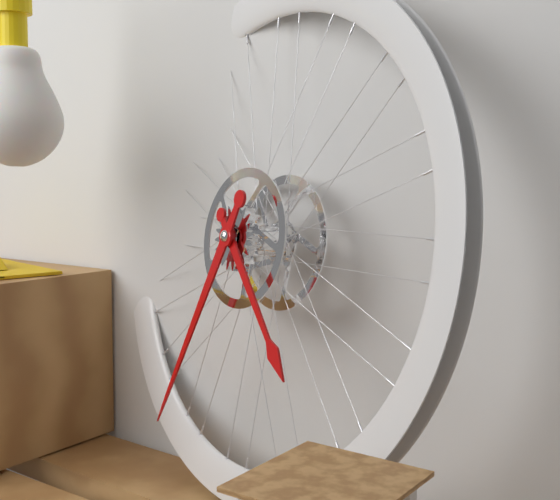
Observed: 4 h 34 min
